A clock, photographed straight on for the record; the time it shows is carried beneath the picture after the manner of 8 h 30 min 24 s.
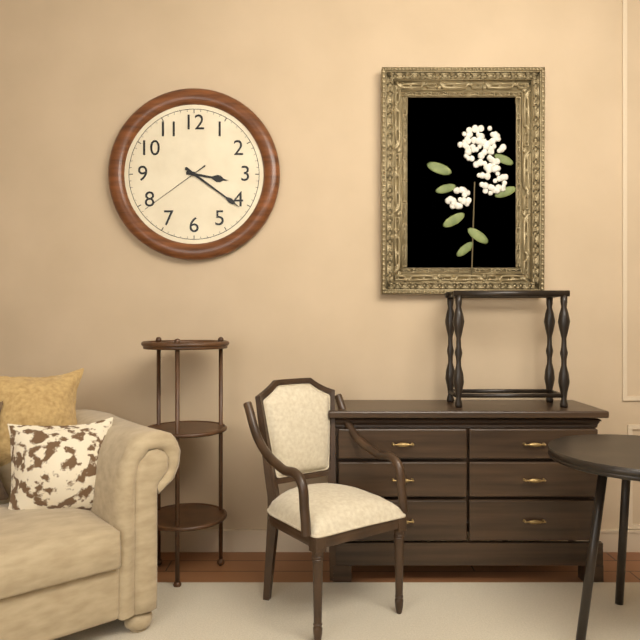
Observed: 3 h 21 min 39 s
